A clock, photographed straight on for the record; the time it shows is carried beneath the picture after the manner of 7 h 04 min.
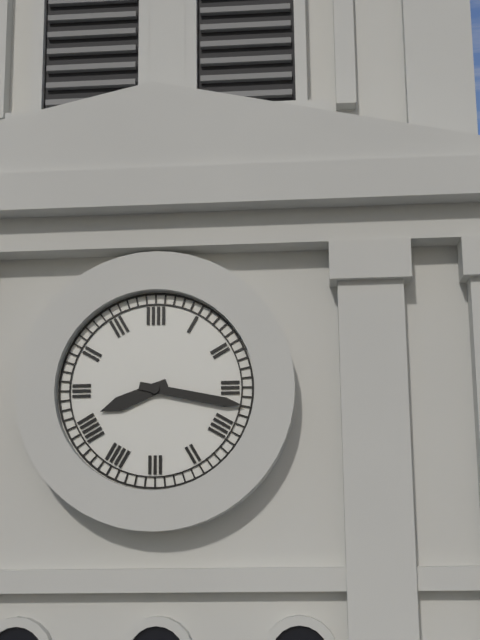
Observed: 8 h 17 min
